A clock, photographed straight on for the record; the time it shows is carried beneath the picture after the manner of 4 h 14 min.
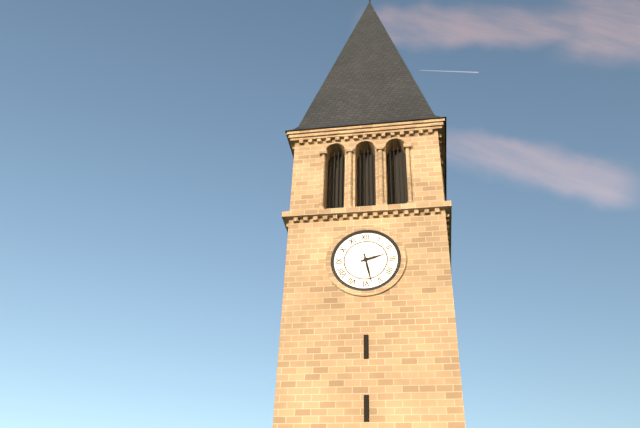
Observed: 2 h 28 min
